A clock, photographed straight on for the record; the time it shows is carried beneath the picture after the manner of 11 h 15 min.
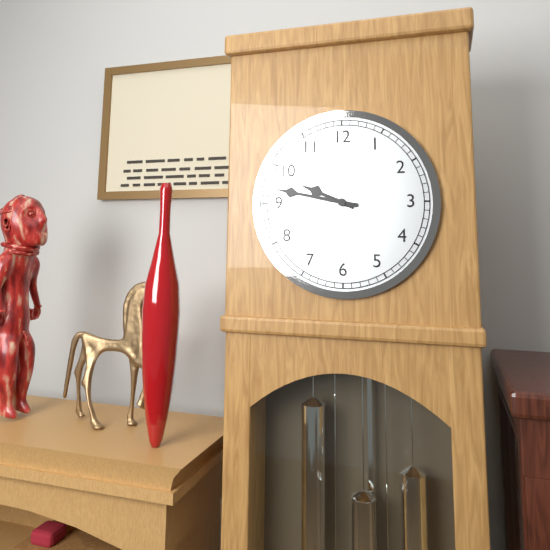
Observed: 9 h 47 min
